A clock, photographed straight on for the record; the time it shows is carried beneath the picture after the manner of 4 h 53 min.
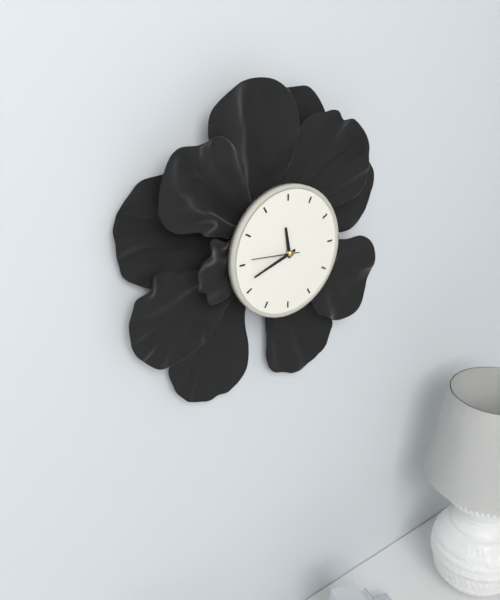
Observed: 11 h 42 min
